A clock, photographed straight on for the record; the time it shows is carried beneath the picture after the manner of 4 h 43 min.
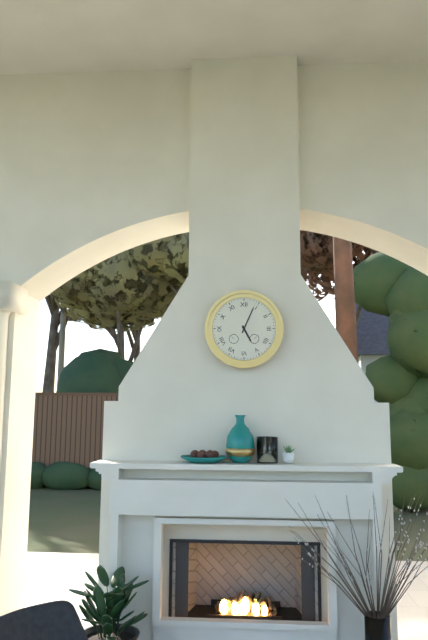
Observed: 5 h 04 min
